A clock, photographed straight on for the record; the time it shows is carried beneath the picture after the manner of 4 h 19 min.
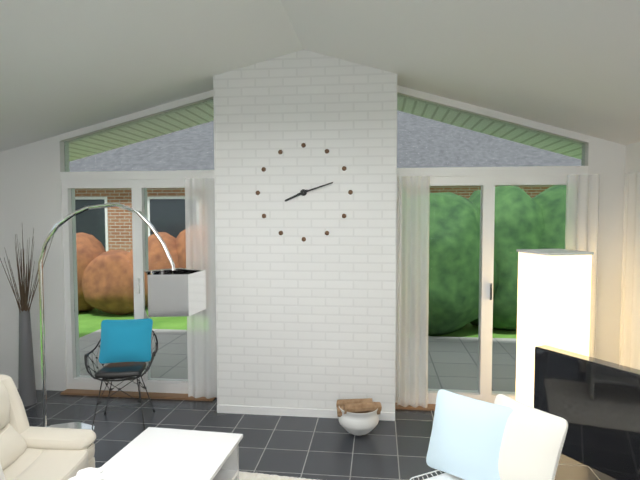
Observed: 8 h 12 min
